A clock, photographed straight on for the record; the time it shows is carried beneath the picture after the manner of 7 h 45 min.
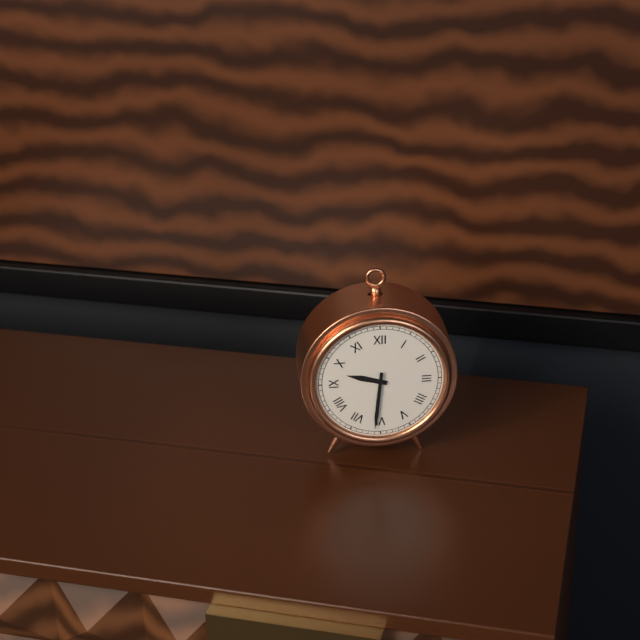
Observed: 9 h 31 min
